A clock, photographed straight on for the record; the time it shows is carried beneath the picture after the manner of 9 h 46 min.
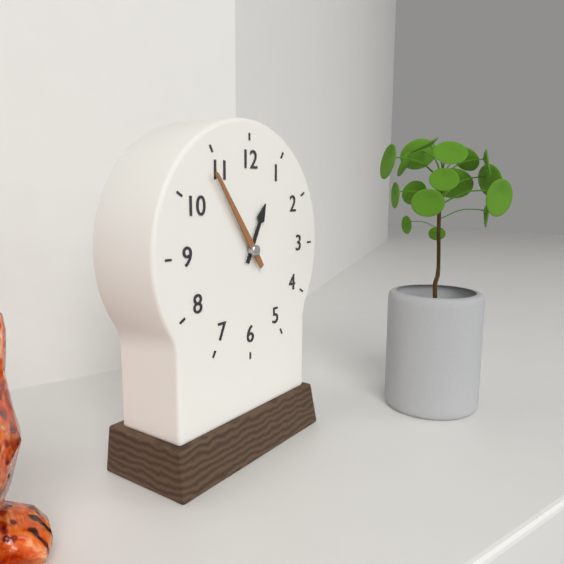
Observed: 12 h 54 min
